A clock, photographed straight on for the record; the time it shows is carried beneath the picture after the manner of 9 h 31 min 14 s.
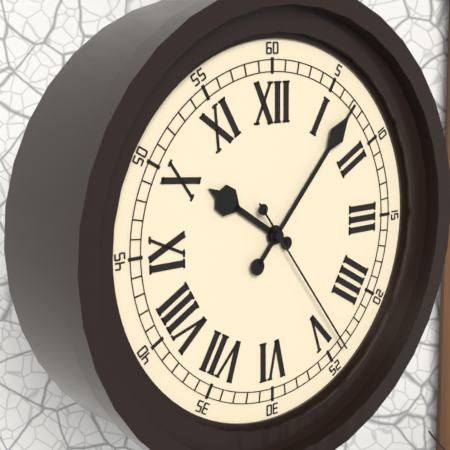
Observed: 10 h 07 min 24 s
